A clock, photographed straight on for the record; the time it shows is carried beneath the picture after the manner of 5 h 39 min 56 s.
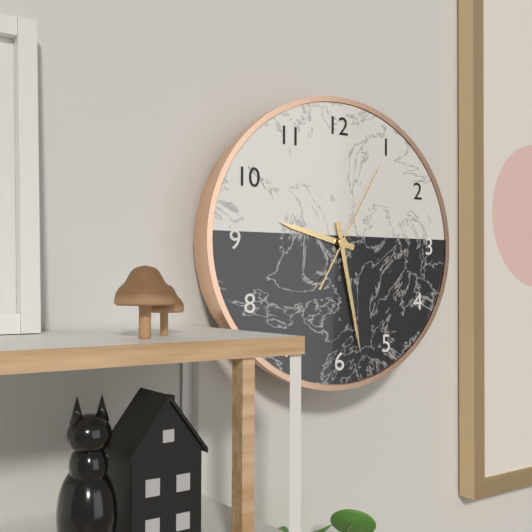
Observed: 9 h 28 min 05 s
